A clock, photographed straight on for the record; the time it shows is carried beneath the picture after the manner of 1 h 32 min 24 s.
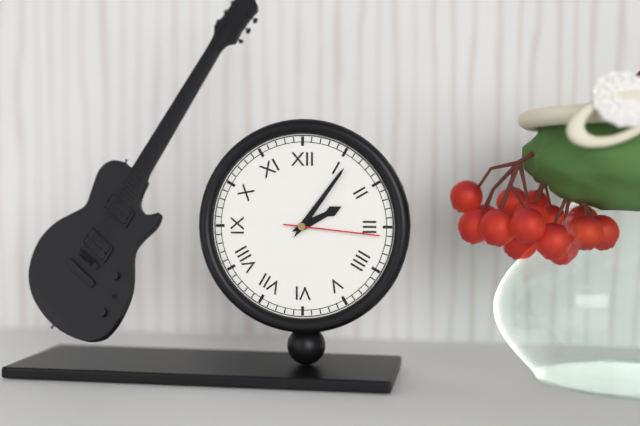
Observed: 2 h 06 min 16 s
